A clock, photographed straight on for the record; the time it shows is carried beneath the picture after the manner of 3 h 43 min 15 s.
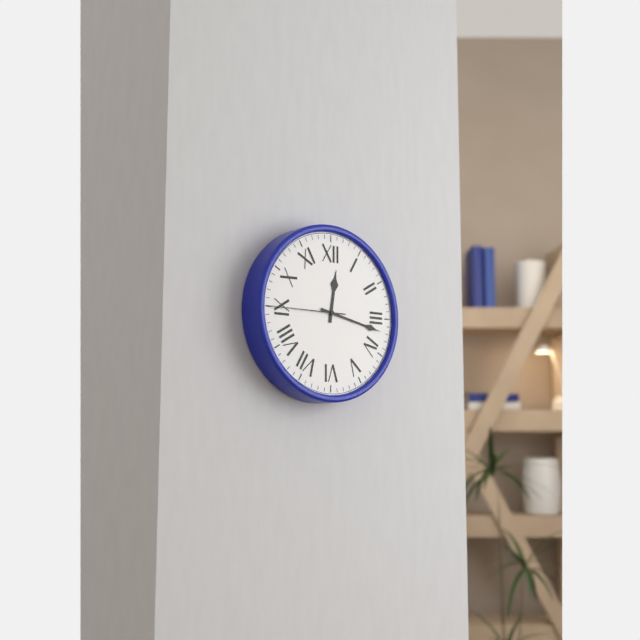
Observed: 12 h 17 min 45 s
